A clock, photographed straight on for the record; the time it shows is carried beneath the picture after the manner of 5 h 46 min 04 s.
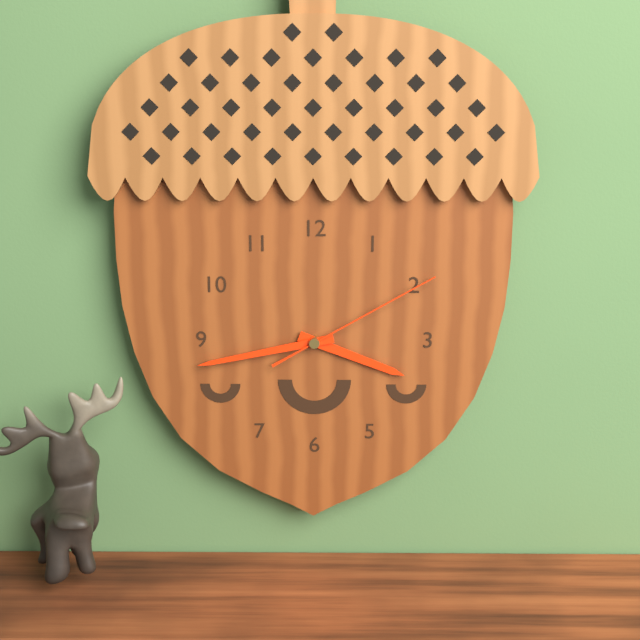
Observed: 3 h 43 min 10 s
